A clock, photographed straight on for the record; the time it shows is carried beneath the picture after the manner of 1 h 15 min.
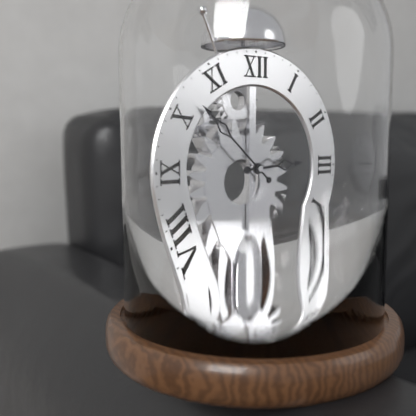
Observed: 2 h 52 min
